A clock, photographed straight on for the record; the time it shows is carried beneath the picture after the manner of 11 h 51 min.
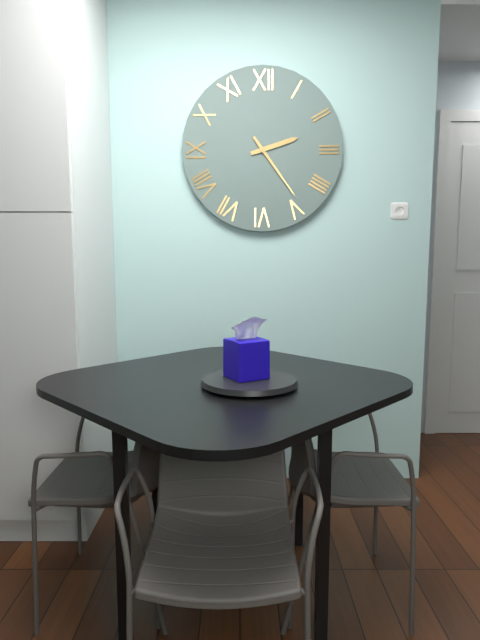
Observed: 2 h 24 min
